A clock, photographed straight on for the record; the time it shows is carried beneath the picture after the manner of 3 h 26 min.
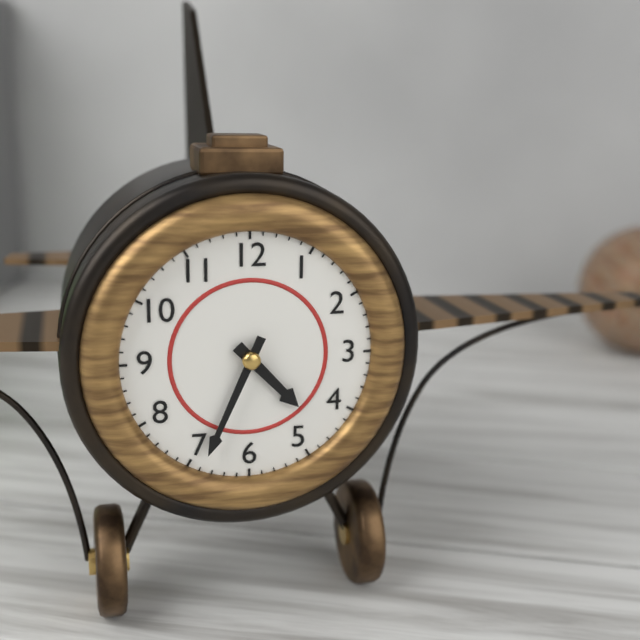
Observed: 4 h 34 min
